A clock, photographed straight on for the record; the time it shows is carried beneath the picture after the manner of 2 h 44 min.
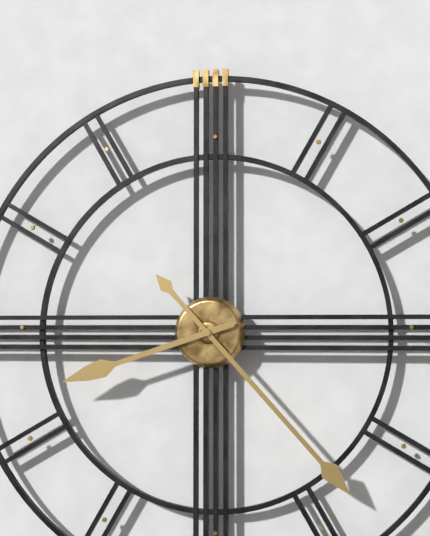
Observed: 8 h 23 min
